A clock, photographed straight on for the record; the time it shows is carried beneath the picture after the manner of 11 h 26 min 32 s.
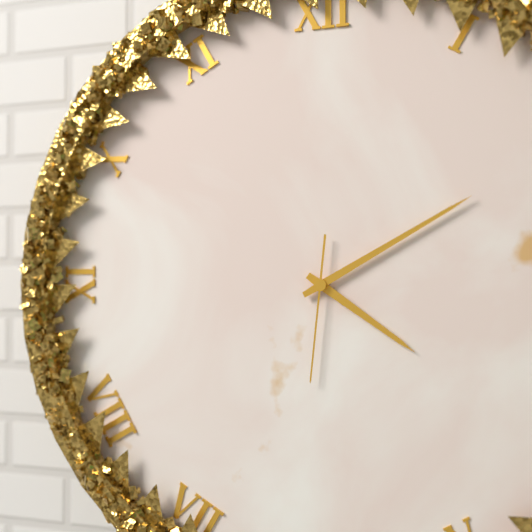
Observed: 4 h 10 min 31 s
